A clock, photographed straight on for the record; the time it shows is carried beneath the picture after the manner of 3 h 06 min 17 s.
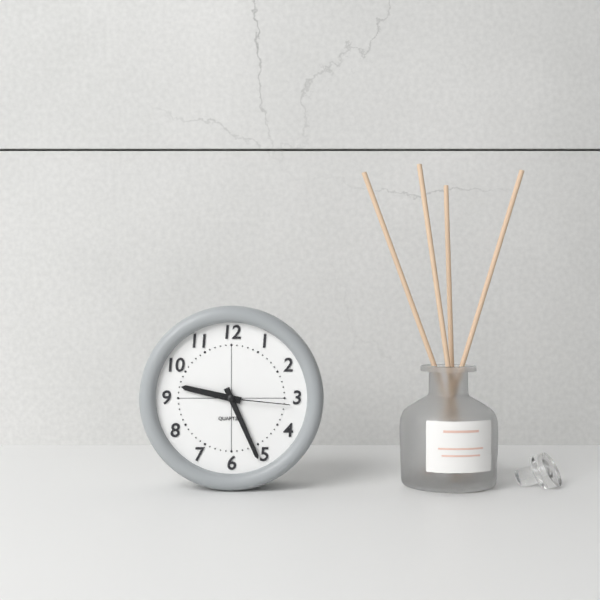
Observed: 9 h 26 min 16 s
